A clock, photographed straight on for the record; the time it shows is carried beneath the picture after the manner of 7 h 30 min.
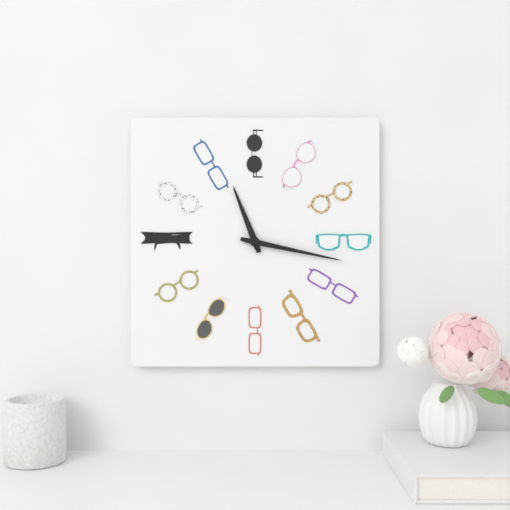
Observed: 11 h 17 min
